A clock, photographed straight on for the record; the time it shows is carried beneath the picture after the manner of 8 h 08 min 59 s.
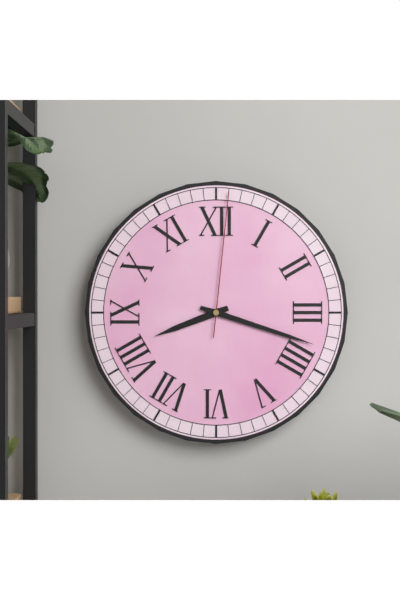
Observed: 8 h 18 min 01 s
